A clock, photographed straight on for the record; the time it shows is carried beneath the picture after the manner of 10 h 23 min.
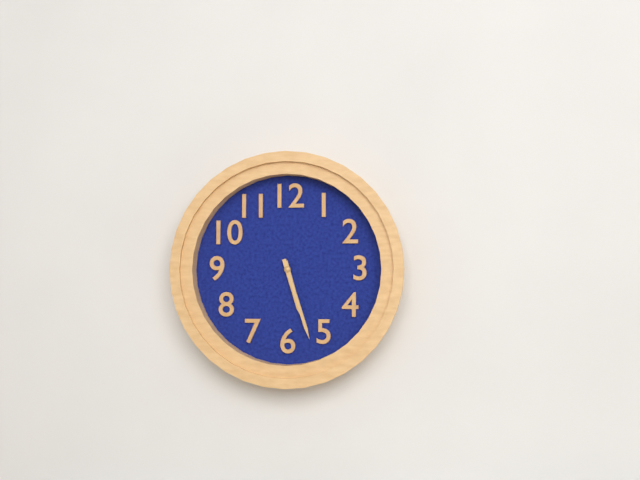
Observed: 5 h 27 min
